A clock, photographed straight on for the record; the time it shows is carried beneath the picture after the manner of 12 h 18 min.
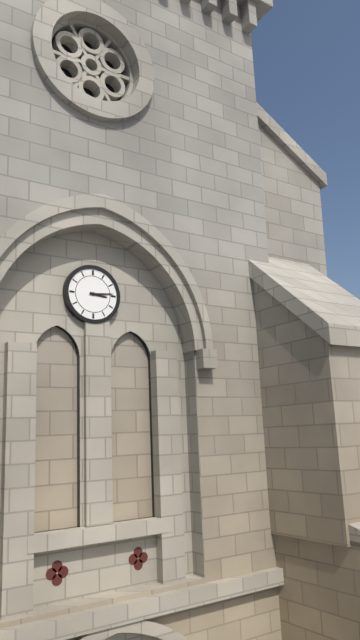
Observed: 3 h 14 min
